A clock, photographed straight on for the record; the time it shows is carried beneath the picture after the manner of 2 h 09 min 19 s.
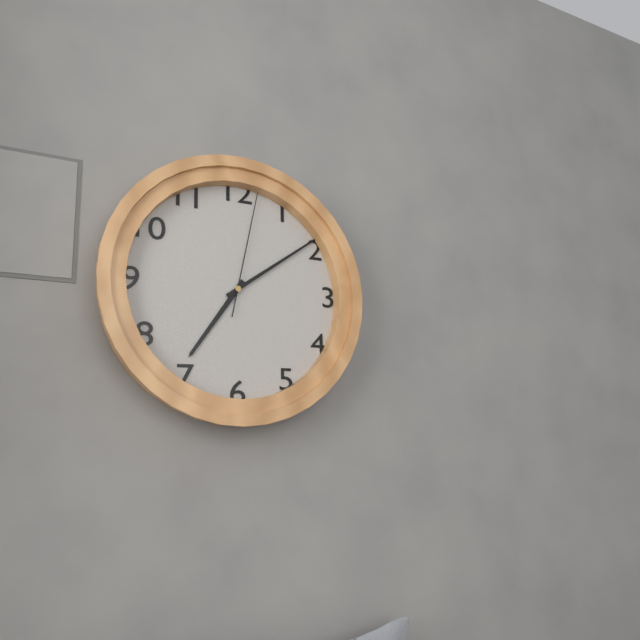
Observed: 7 h 09 min 02 s
